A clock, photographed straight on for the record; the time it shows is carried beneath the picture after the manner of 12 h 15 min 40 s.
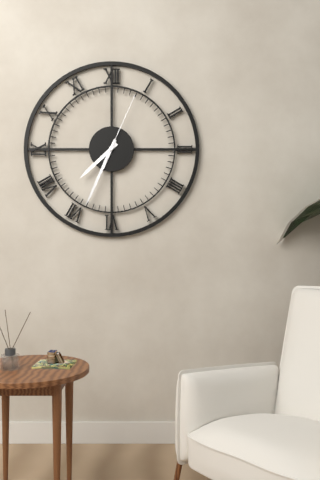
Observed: 7 h 34 min 04 s
